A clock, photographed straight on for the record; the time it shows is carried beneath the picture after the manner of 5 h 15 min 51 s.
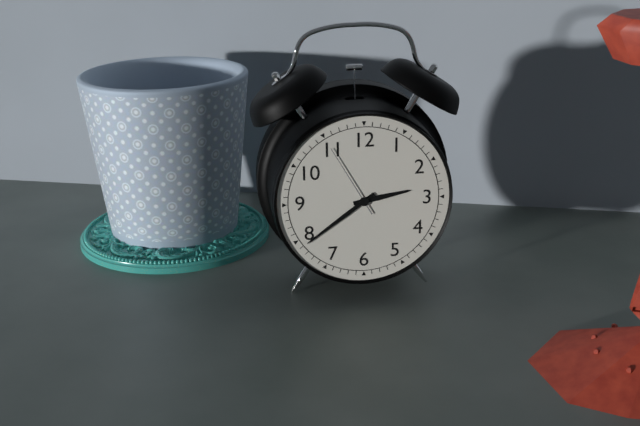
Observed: 2 h 39 min 55 s
